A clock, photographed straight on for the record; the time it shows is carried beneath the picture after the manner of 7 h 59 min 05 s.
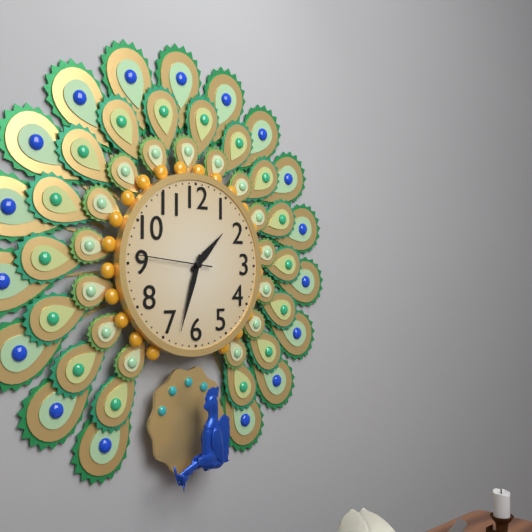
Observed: 1 h 33 min 46 s
